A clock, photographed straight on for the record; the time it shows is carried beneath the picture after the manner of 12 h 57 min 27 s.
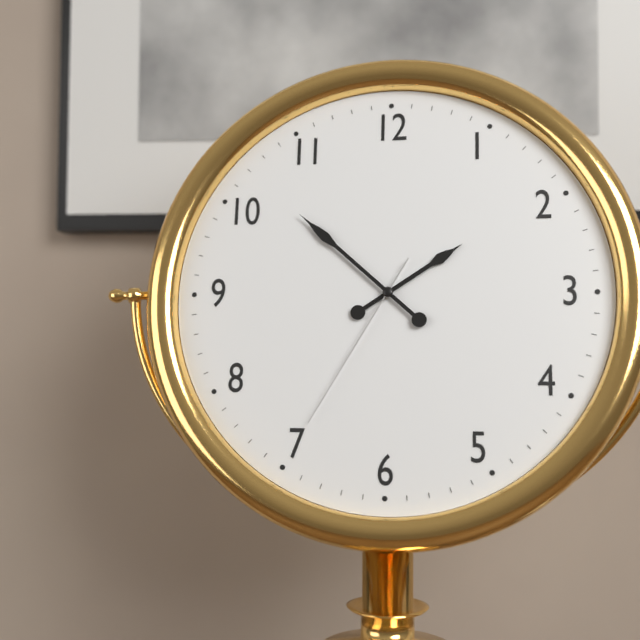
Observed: 1 h 52 min 35 s
